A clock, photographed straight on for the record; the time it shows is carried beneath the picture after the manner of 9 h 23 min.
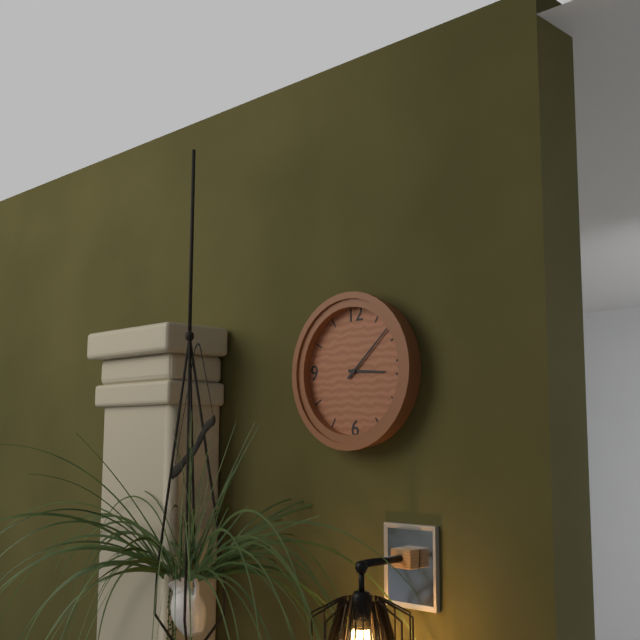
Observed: 3 h 08 min
